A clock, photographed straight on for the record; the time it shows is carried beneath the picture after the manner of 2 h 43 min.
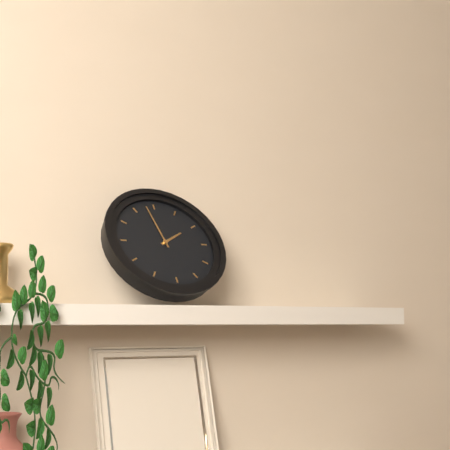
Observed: 1 h 58 min
